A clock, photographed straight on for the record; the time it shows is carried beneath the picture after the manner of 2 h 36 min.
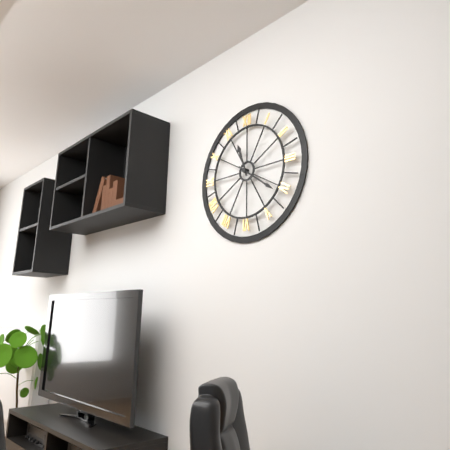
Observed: 11 h 21 min
